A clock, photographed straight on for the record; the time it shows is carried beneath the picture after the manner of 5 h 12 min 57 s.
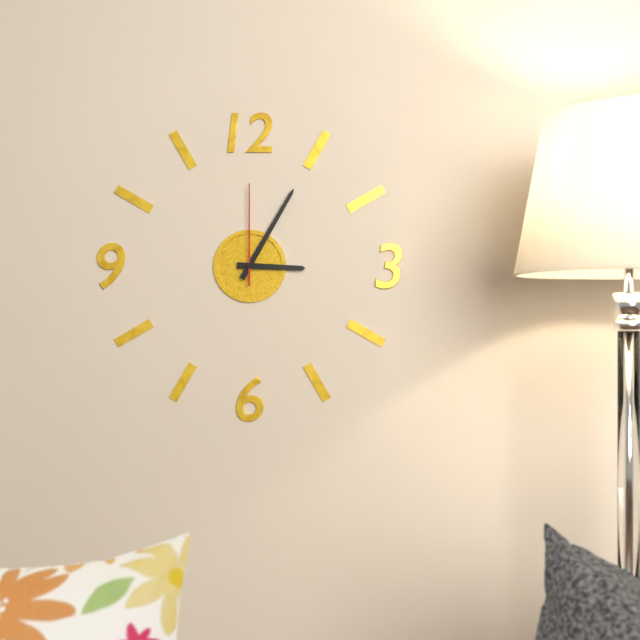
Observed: 3 h 05 min 00 s
